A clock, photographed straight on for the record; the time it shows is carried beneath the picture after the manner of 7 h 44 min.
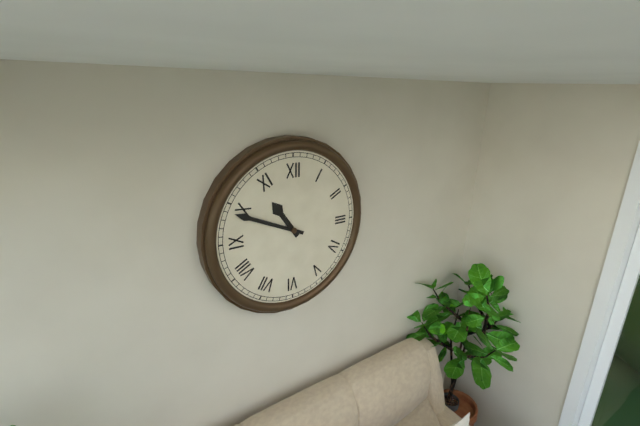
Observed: 10 h 49 min
